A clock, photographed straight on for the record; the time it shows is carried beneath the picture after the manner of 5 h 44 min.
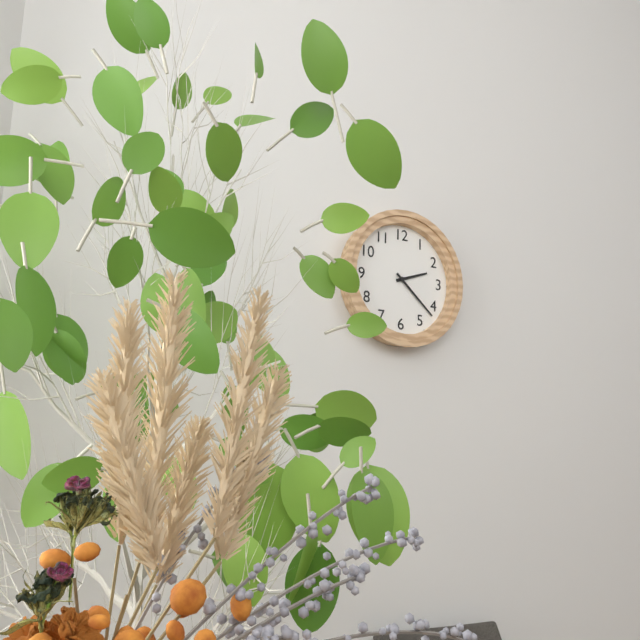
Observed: 2 h 22 min
